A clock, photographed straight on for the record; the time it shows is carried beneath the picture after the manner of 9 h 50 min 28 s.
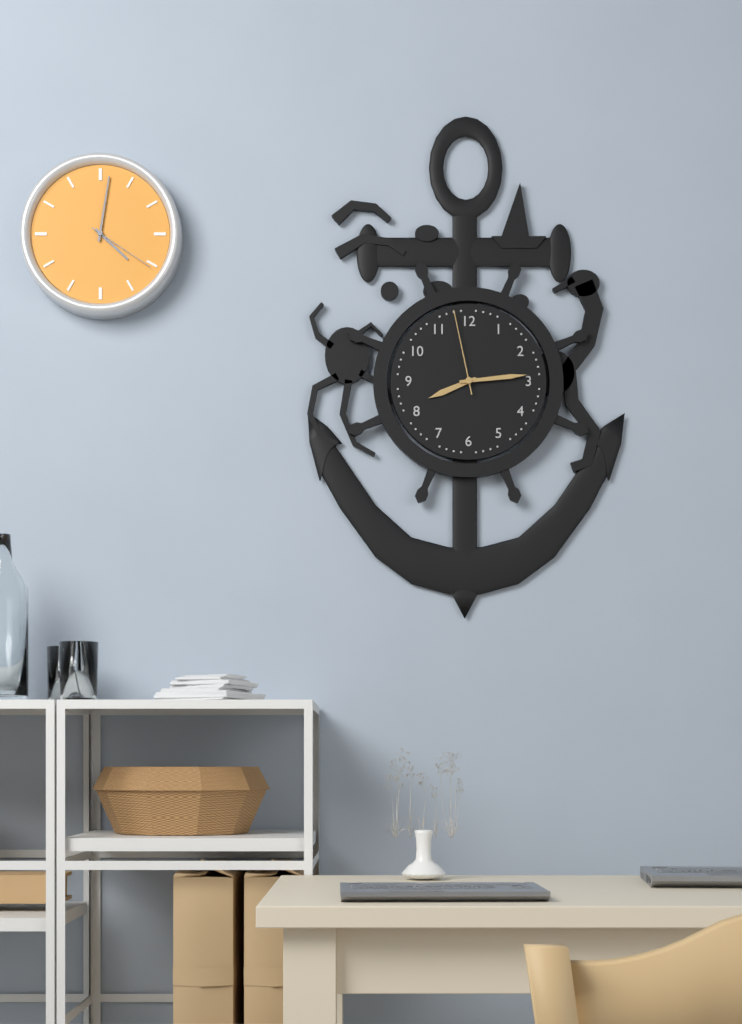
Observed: 8 h 14 min 58 s
